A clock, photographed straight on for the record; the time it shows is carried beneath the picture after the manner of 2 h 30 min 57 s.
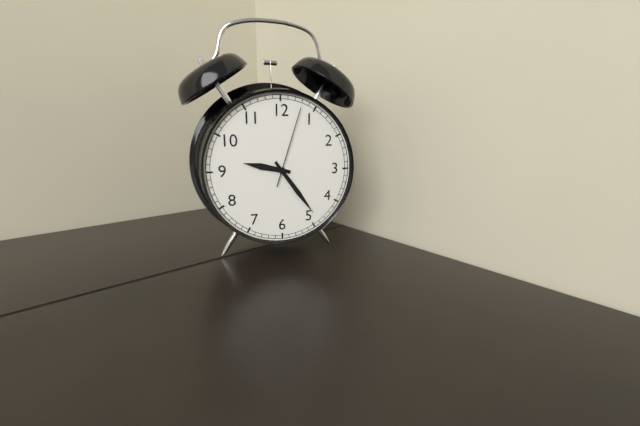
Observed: 9 h 24 min 03 s
